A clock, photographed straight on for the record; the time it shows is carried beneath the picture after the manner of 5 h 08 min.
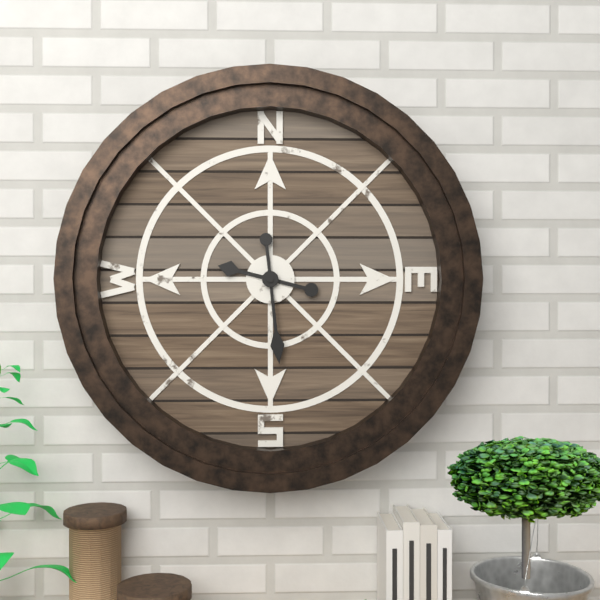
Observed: 9 h 29 min
